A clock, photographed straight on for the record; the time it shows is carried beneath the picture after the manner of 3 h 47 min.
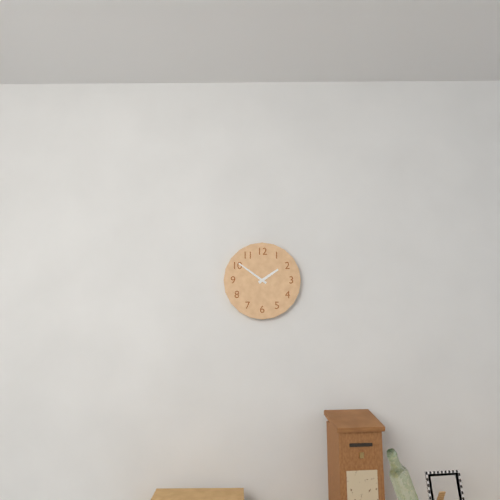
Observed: 1 h 51 min
